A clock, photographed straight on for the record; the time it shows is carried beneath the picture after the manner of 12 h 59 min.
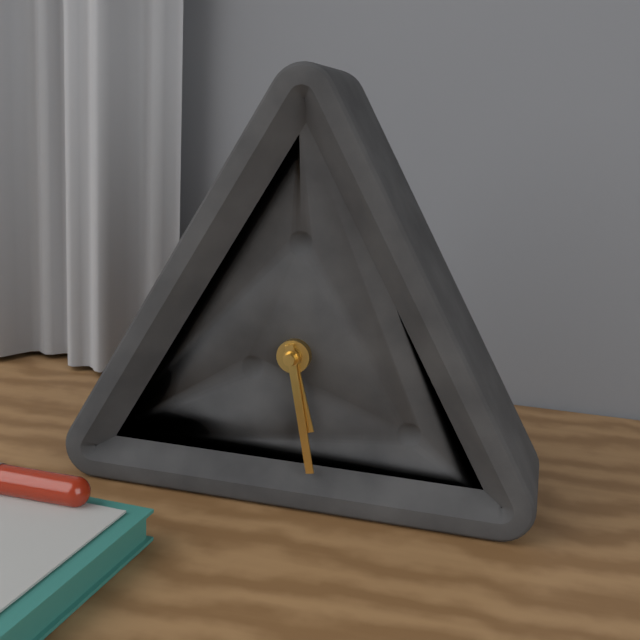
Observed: 5 h 28 min
